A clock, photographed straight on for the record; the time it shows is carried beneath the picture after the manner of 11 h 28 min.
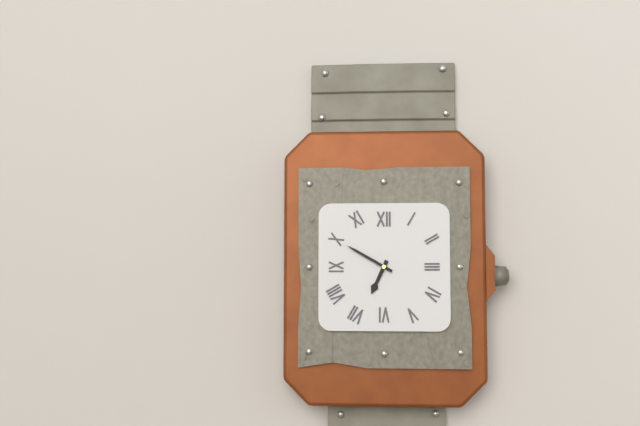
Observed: 6 h 50 min
